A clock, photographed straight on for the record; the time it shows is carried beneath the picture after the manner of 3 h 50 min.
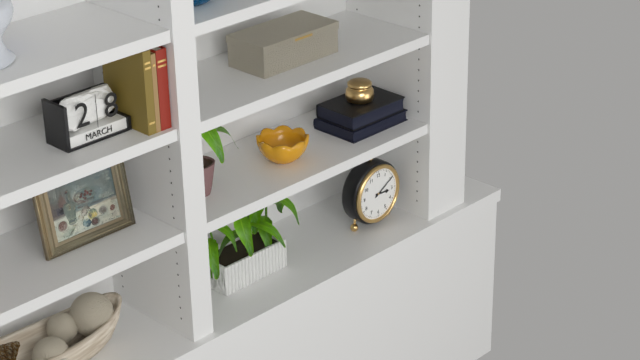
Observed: 3 h 10 min
